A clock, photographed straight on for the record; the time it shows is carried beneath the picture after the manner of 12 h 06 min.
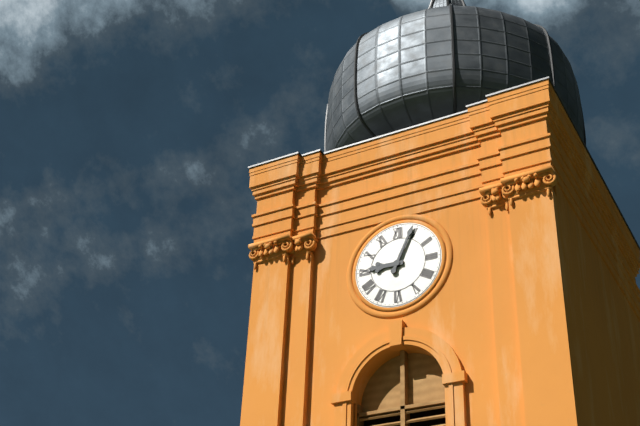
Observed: 9 h 04 min
